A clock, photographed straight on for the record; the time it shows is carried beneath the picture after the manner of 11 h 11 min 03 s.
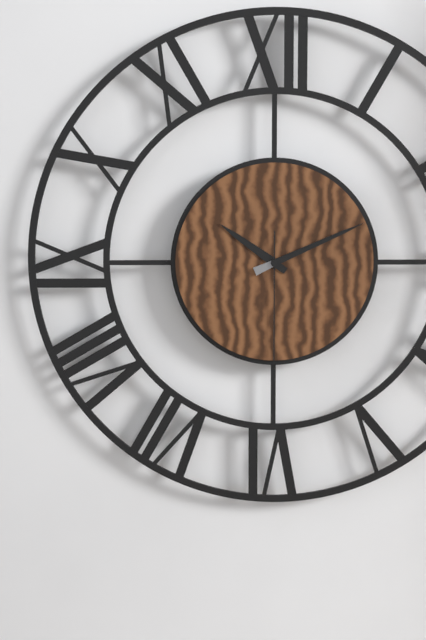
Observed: 10 h 11 min 30 s
